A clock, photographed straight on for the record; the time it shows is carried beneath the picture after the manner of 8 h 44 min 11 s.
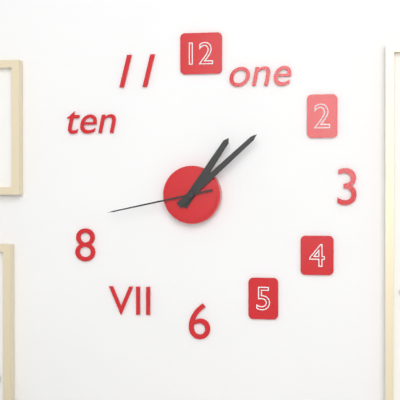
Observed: 1 h 08 min 43 s
